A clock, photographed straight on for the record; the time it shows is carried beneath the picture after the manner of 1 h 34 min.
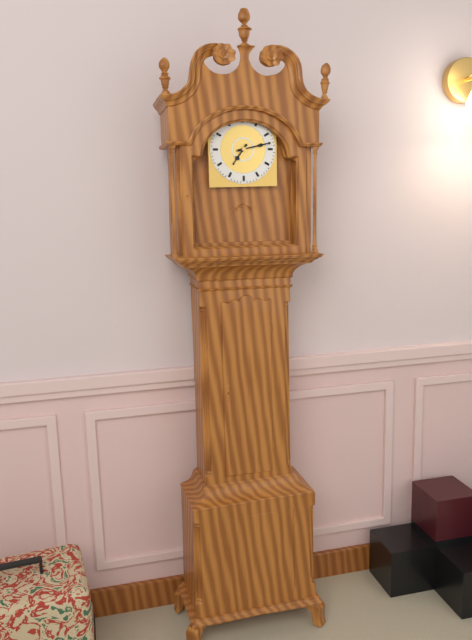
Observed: 7 h 13 min
